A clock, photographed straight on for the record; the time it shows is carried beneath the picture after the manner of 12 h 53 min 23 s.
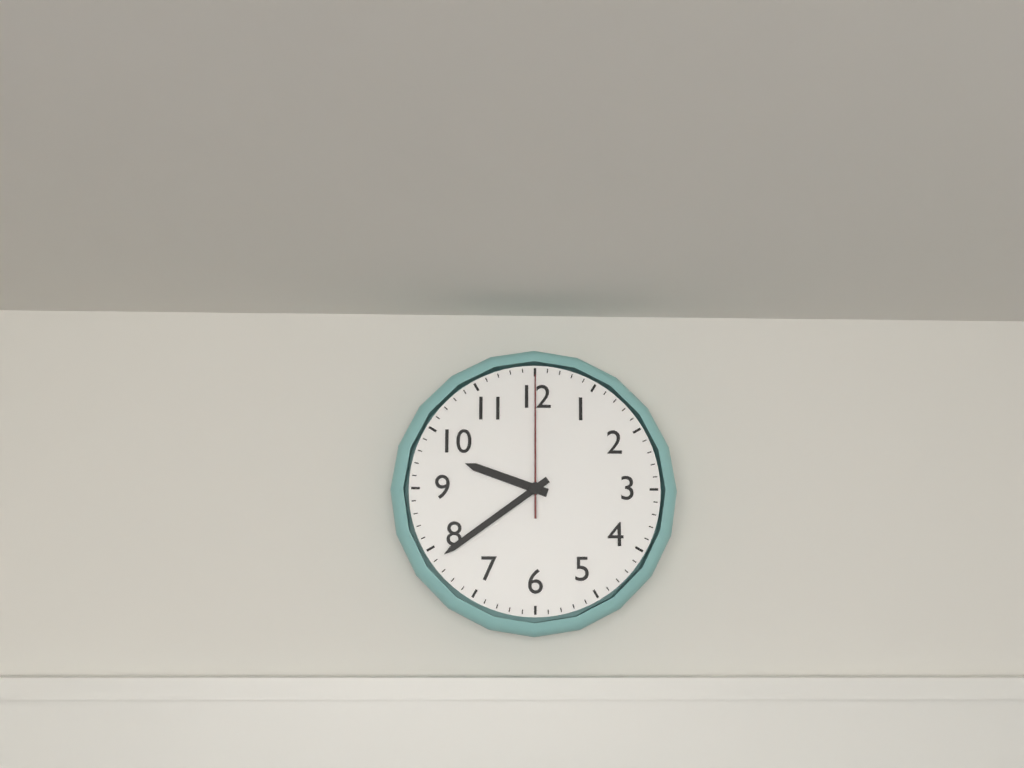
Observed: 9 h 39 min 00 s
